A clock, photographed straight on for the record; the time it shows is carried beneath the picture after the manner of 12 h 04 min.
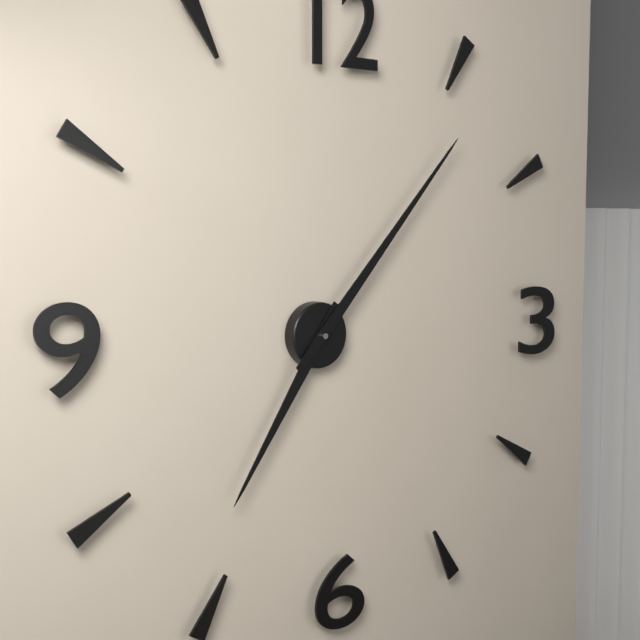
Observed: 7 h 07 min
